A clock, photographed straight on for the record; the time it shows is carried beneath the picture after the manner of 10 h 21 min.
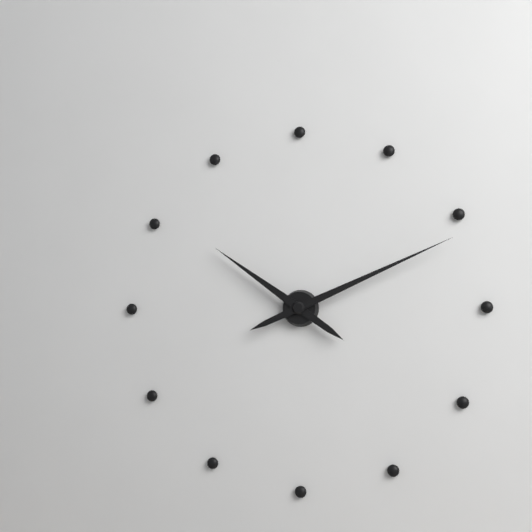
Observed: 10 h 11 min
